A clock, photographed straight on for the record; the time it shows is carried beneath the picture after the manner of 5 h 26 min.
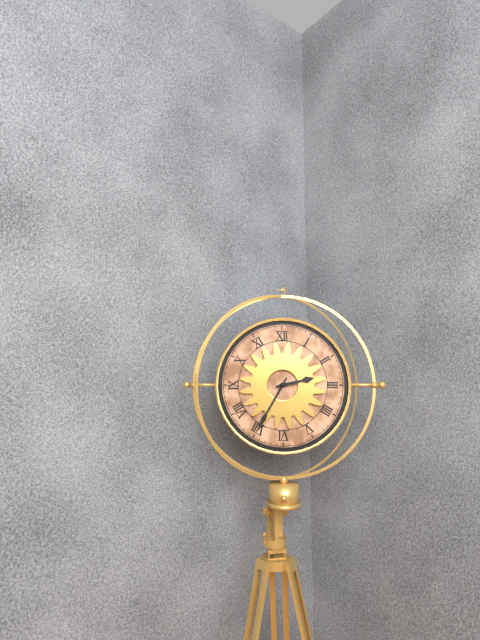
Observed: 2 h 35 min
